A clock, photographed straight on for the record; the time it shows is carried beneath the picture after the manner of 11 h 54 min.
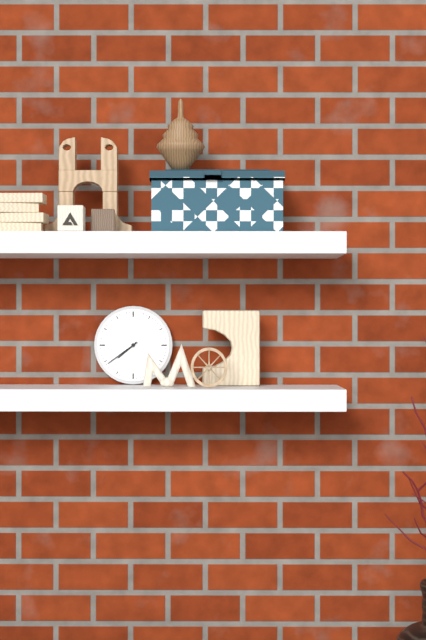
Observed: 7 h 39 min
